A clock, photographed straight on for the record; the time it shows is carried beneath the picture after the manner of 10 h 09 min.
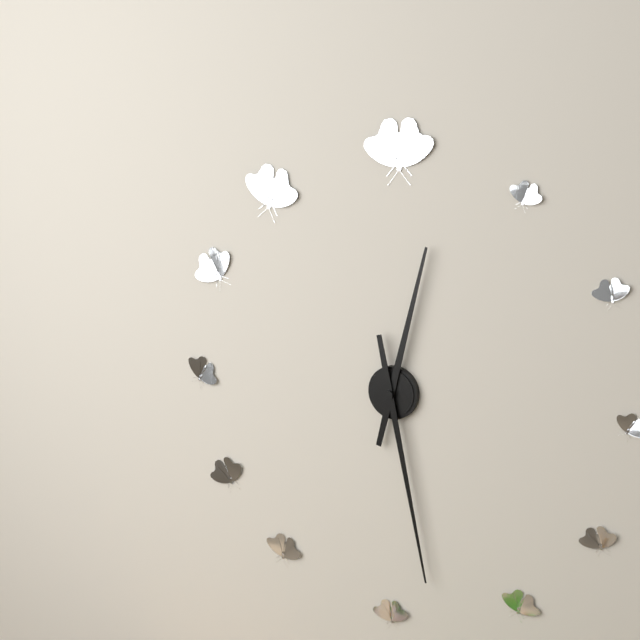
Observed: 12 h 28 min
